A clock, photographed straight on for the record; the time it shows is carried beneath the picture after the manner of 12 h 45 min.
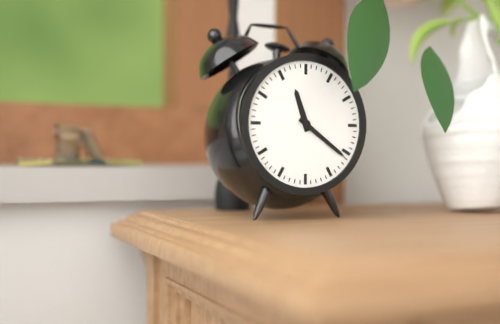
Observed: 11 h 21 min
